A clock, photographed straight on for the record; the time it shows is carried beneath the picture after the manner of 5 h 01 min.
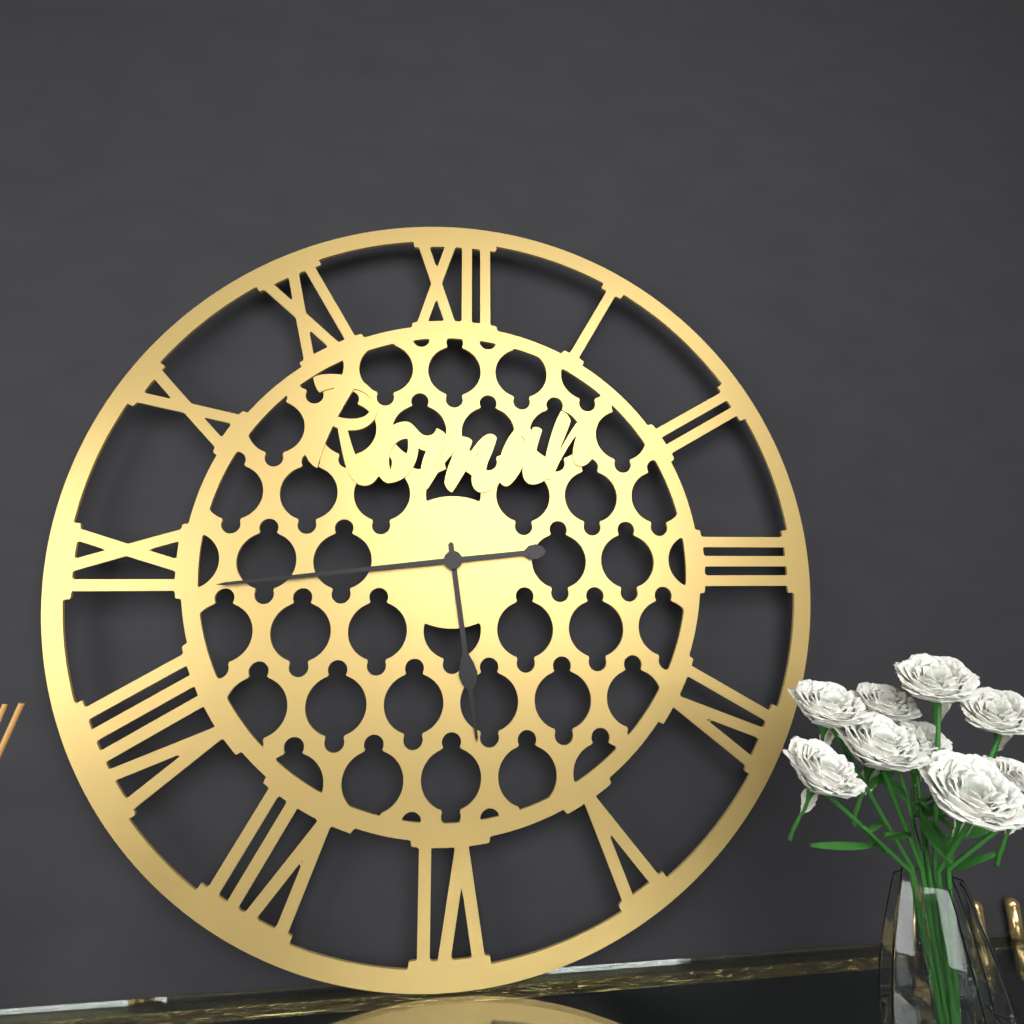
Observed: 5 h 44 min
